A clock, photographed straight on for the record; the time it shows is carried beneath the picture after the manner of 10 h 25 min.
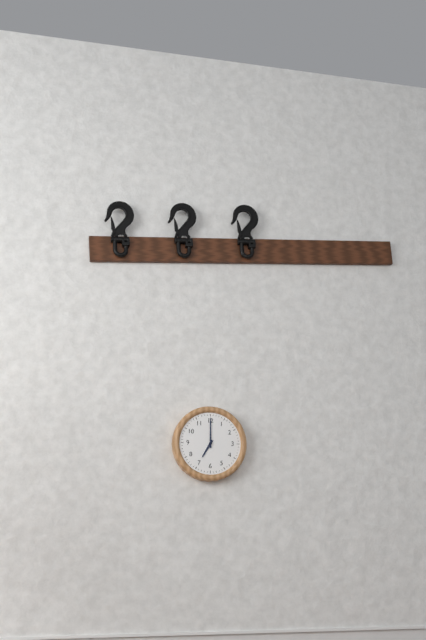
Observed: 7 h 00 min
